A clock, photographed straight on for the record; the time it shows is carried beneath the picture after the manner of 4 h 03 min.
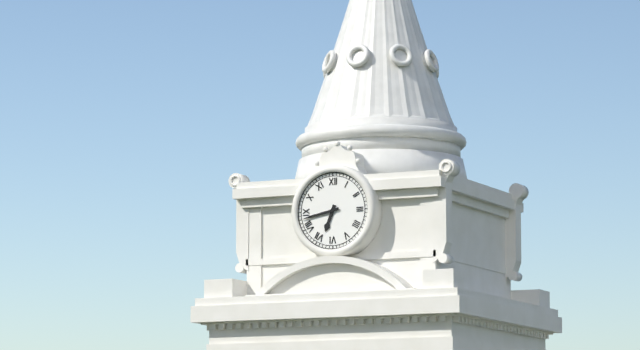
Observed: 6 h 43 min
